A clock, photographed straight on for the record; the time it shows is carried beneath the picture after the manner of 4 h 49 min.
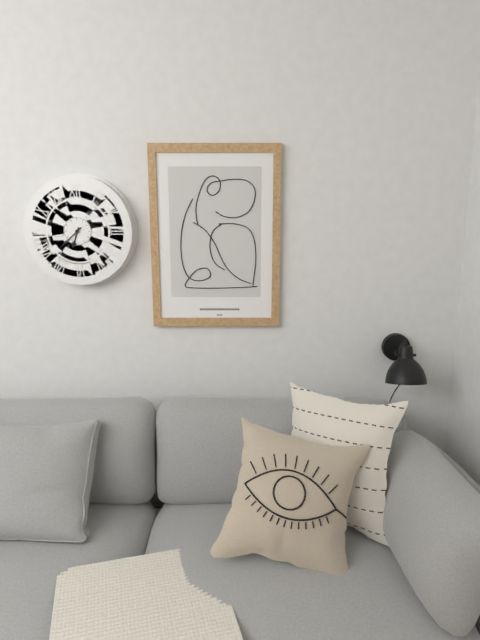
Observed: 6 h 38 min
